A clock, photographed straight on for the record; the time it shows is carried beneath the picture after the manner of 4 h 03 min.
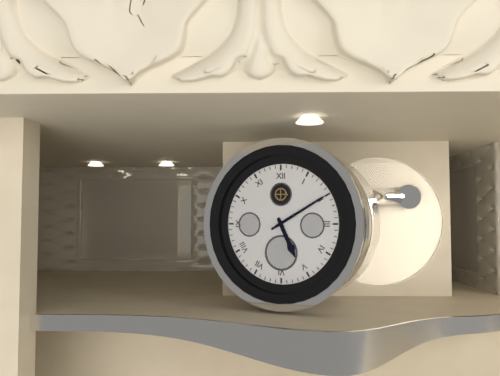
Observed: 5 h 10 min
